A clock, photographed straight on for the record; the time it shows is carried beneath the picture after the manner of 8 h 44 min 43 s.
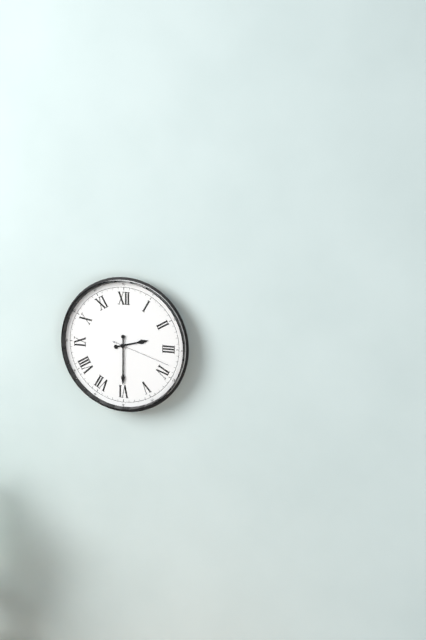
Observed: 2 h 30 min 18 s
